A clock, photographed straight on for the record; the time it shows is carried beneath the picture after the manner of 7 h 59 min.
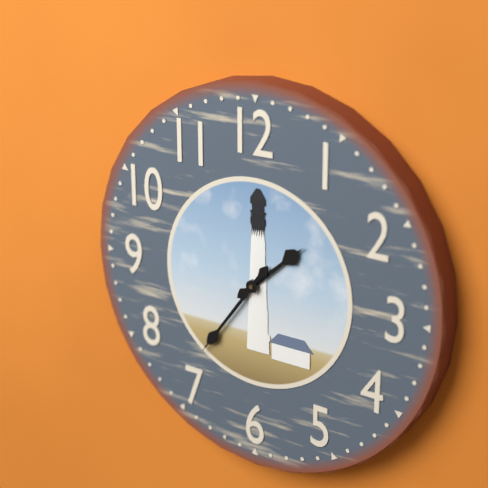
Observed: 1 h 36 min
